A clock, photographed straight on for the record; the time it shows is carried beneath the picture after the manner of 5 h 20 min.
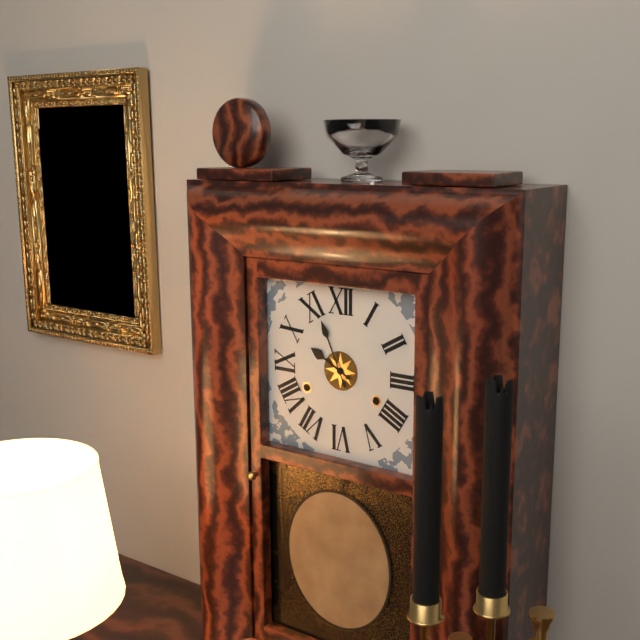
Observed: 9 h 56 min
